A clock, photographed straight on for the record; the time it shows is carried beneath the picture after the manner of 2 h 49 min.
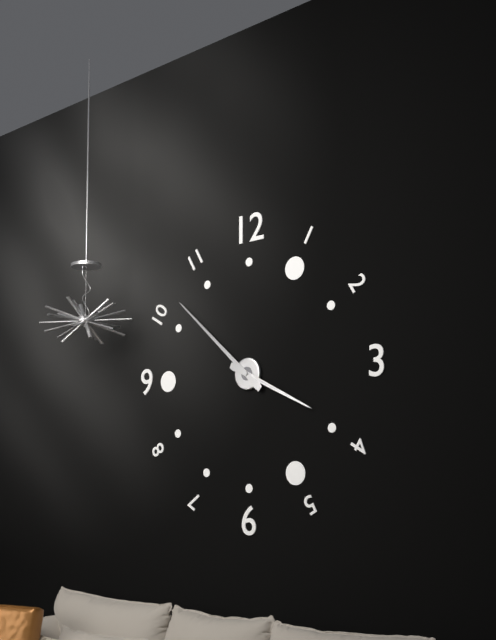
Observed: 3 h 52 min
